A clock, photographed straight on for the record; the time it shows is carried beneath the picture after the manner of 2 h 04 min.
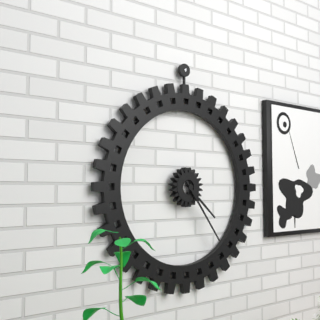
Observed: 4 h 24 min
